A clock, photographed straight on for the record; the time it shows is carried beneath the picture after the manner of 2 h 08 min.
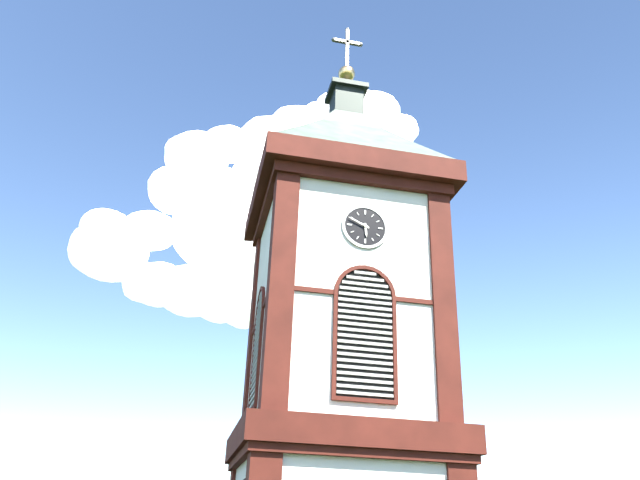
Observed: 5 h 49 min
